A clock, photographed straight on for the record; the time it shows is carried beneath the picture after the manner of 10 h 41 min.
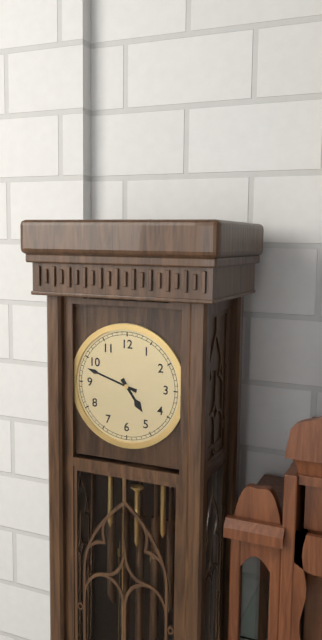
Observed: 4 h 48 min
